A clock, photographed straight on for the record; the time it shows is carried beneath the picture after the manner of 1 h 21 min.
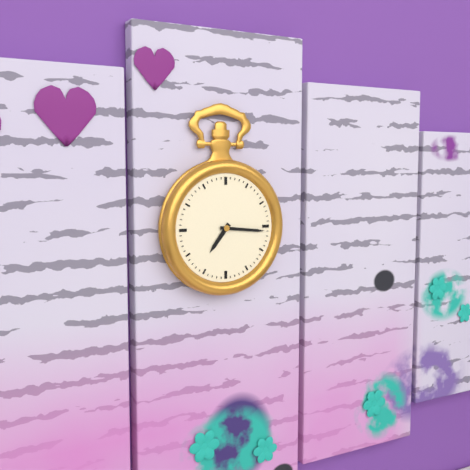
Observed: 7 h 16 min
